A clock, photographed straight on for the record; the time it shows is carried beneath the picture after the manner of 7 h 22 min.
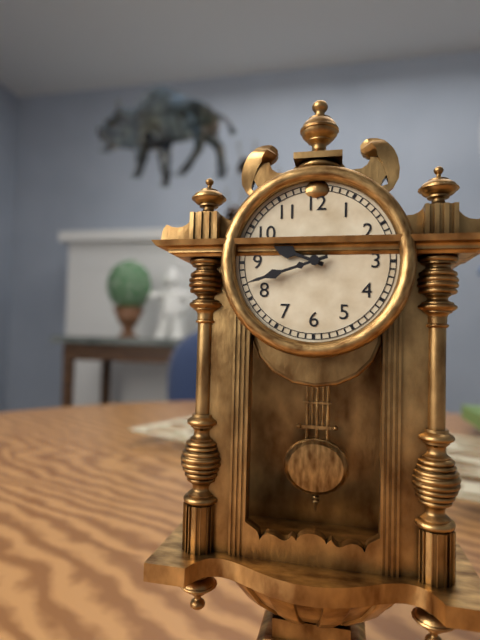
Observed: 9 h 42 min
